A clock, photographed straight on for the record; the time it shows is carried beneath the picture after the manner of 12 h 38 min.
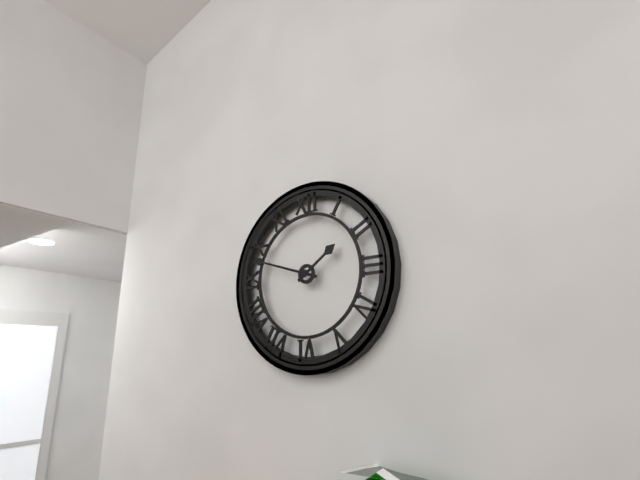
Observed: 1 h 48 min
